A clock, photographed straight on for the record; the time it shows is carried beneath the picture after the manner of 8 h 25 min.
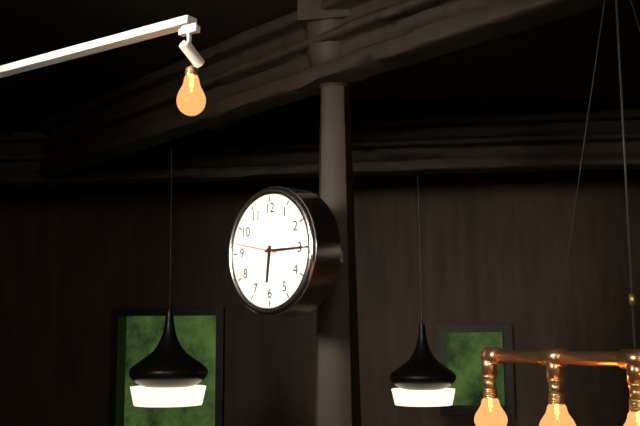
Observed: 6 h 15 min
